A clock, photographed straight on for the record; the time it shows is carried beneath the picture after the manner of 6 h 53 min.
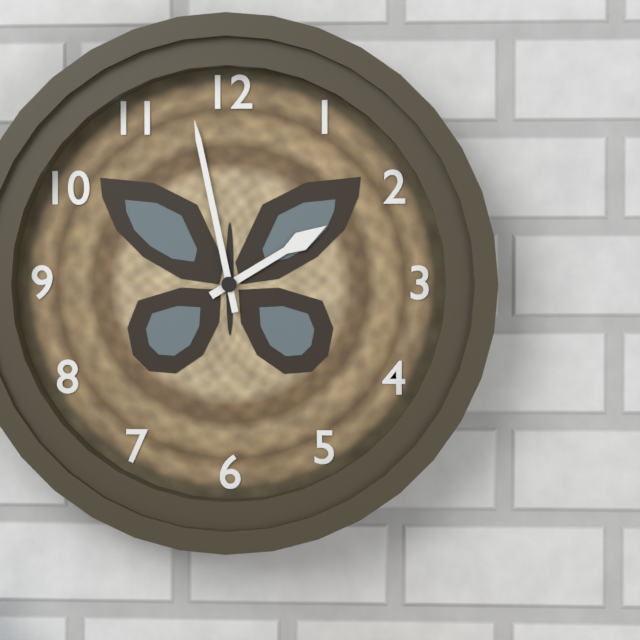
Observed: 1 h 58 min
